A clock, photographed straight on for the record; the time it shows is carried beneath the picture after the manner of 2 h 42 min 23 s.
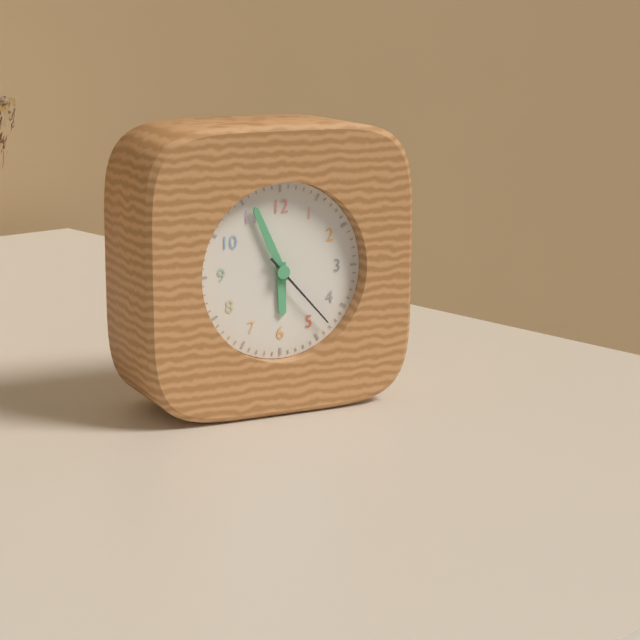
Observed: 5 h 56 min 23 s
